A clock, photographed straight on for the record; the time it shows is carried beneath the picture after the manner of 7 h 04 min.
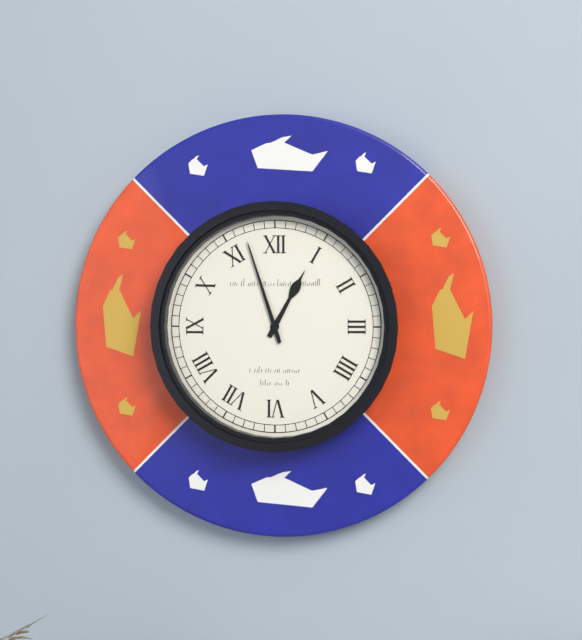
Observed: 12 h 57 min
